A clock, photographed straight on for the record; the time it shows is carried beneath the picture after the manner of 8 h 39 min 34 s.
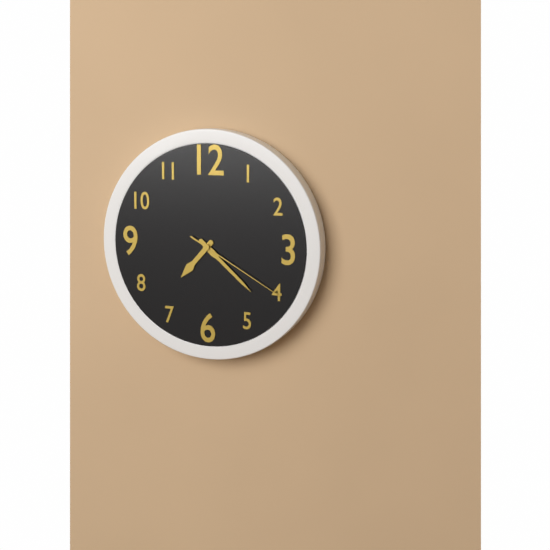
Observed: 7 h 22 min 20 s
